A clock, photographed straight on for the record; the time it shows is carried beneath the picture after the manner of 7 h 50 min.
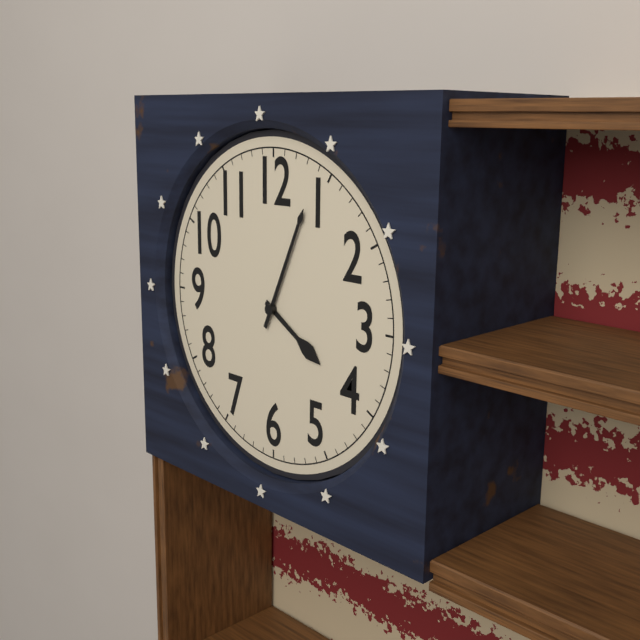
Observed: 4 h 04 min
